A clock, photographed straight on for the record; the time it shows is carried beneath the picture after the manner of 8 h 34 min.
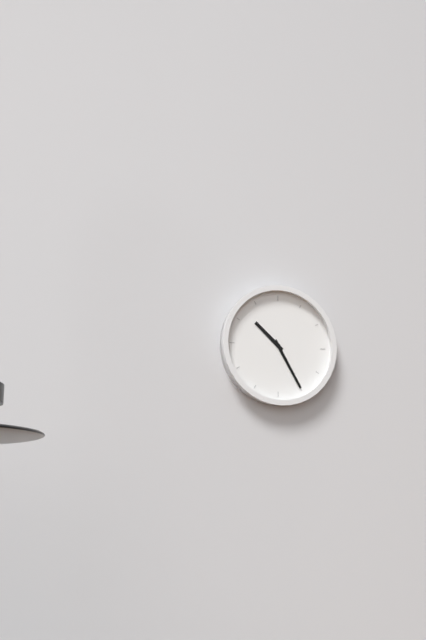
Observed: 10 h 25 min
